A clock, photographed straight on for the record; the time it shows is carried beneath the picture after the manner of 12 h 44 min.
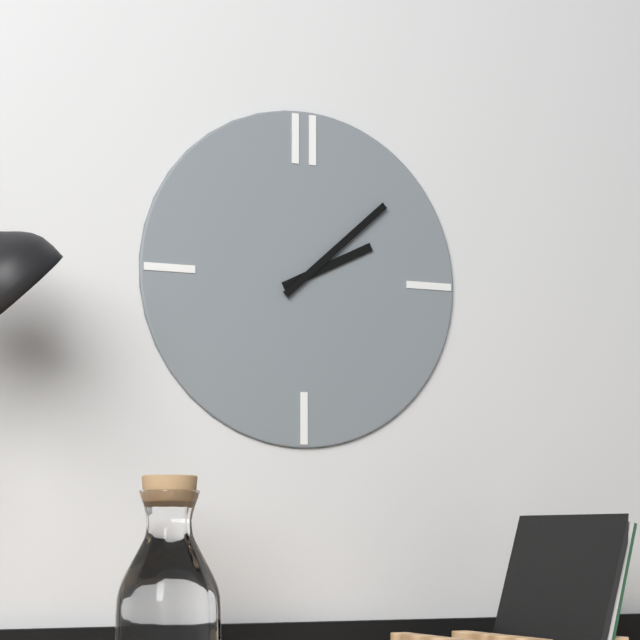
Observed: 2 h 08 min
